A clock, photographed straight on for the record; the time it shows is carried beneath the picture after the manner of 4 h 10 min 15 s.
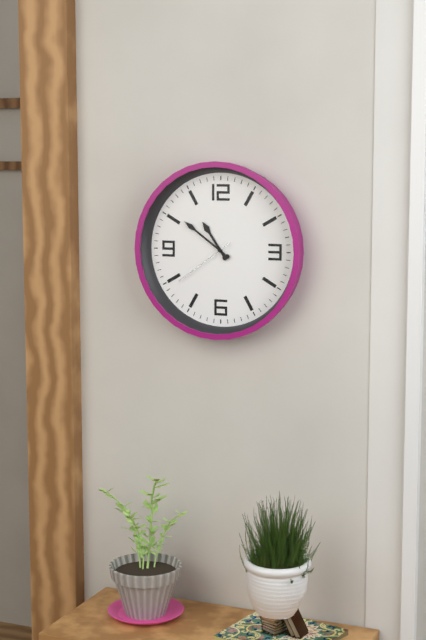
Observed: 10 h 51 min 39 s
